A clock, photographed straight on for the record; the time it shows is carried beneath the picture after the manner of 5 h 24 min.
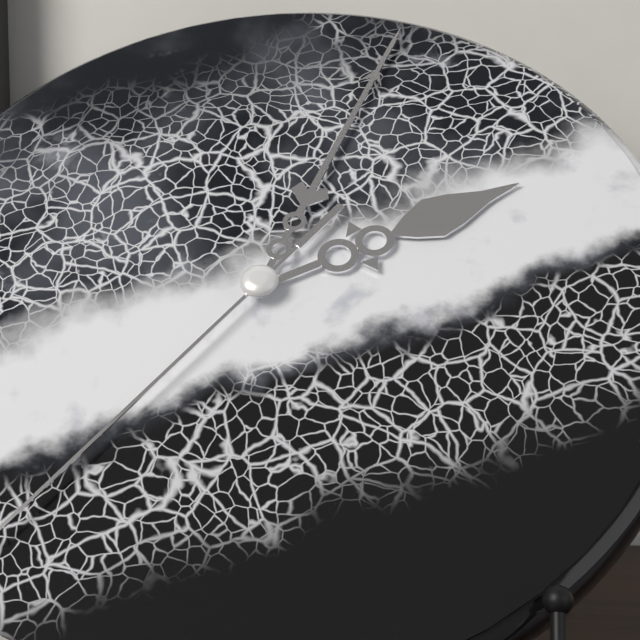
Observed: 2 h 03 min
